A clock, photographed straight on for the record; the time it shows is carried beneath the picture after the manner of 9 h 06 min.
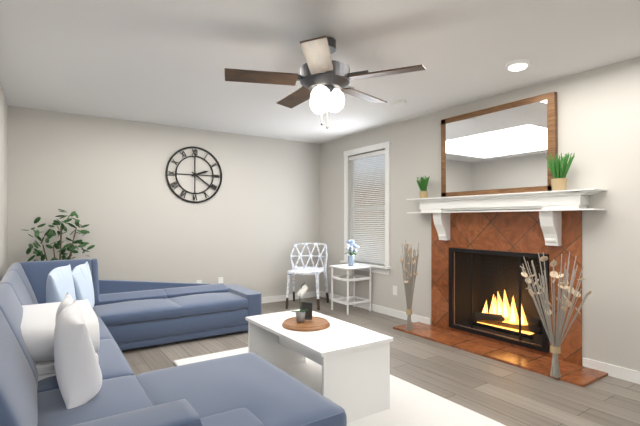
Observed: 2 h 21 min
